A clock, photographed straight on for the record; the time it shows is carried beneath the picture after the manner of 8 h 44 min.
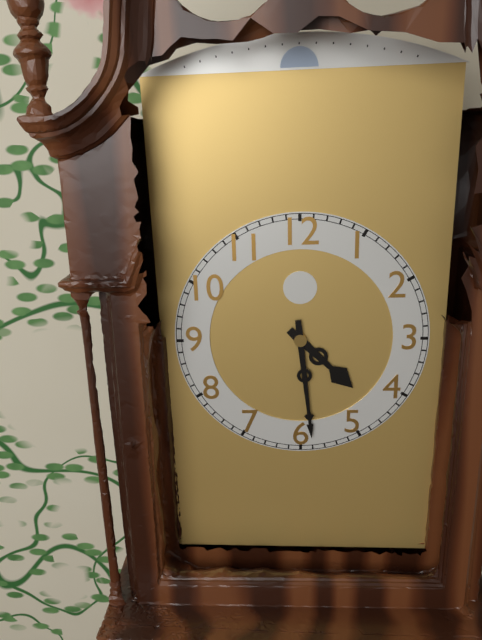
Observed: 4 h 29 min
